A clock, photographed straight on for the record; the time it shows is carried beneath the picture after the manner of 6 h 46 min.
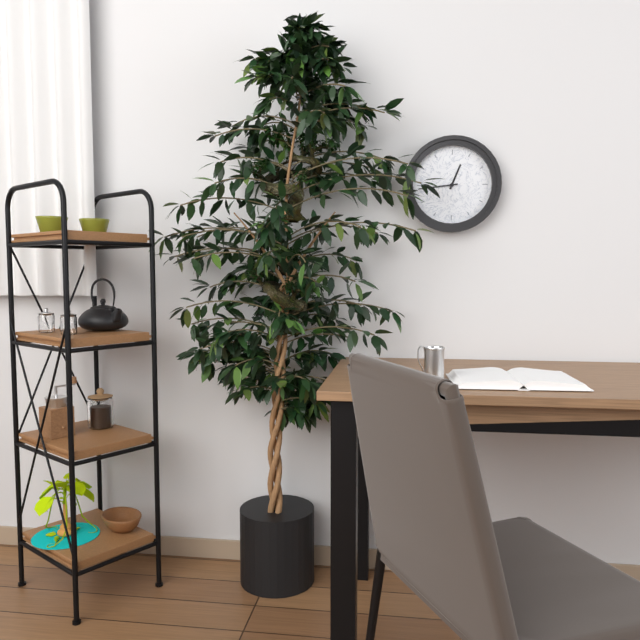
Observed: 12 h 44 min
